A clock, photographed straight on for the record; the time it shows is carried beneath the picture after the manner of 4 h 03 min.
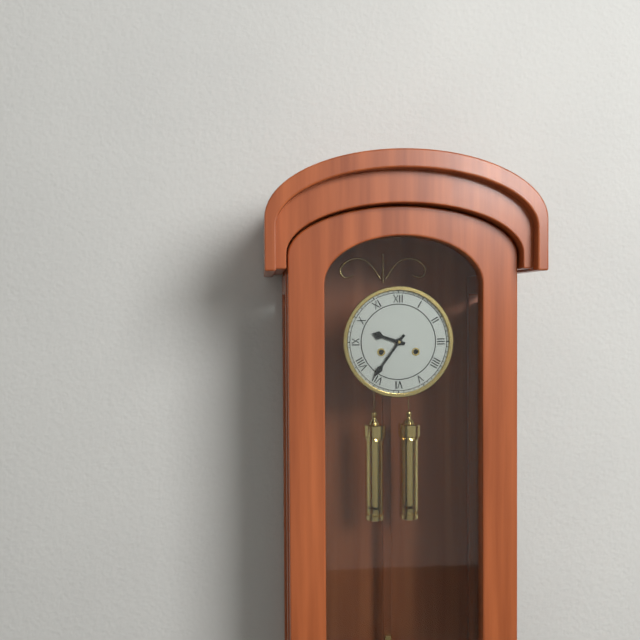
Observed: 9 h 36 min
